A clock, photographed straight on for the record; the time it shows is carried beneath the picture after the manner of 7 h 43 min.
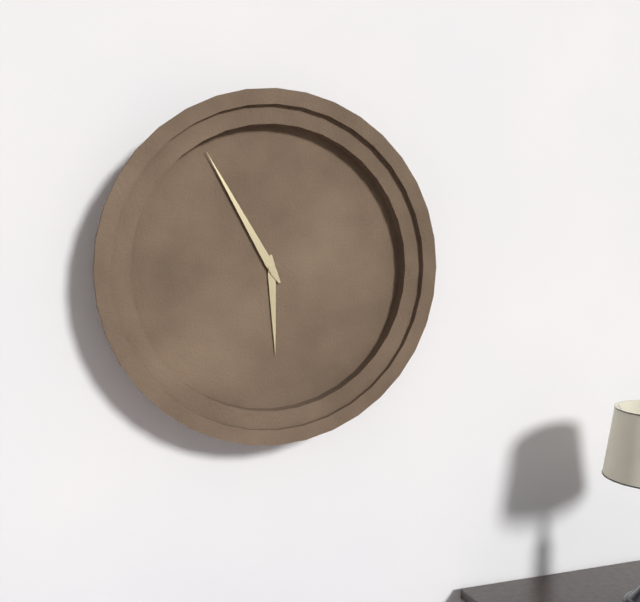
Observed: 5 h 55 min
